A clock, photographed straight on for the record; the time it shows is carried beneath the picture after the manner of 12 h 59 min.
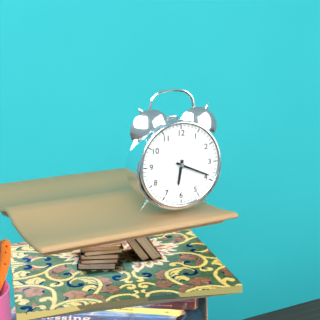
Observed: 6 h 19 min
